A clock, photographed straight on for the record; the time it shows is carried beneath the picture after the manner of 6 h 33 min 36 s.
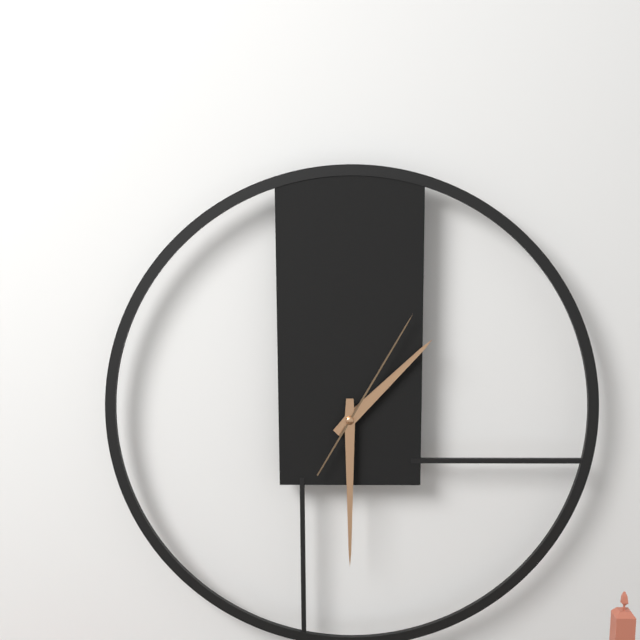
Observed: 1 h 30 min 05 s
